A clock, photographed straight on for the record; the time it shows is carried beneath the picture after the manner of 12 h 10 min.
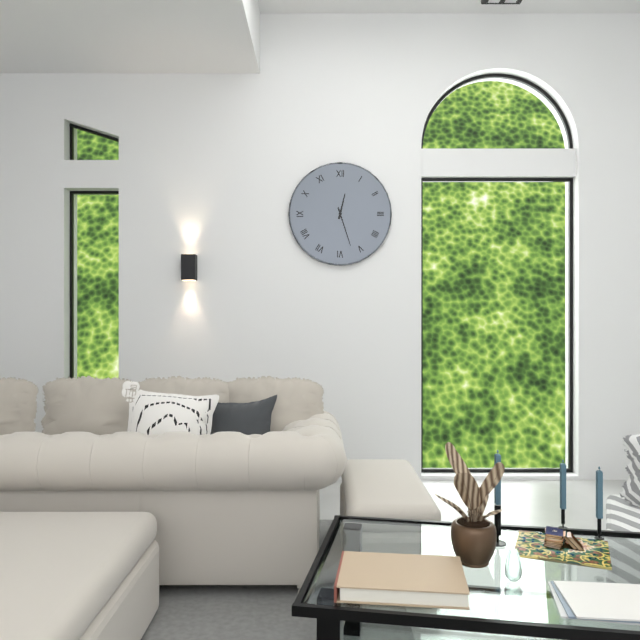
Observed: 12 h 27 min
